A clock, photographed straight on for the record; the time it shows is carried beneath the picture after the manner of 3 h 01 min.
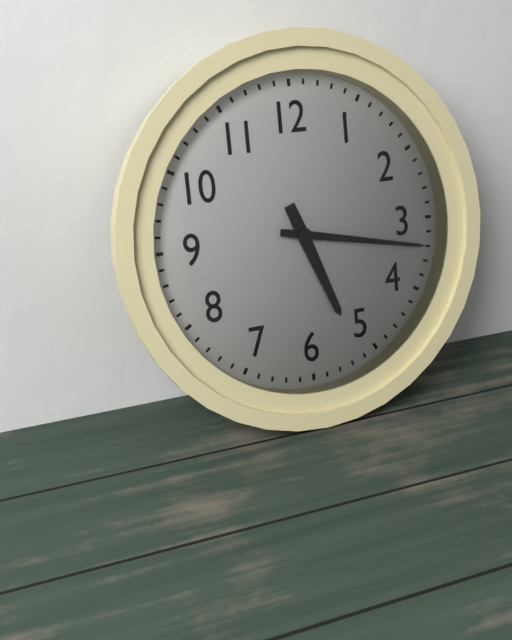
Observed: 5 h 17 min
